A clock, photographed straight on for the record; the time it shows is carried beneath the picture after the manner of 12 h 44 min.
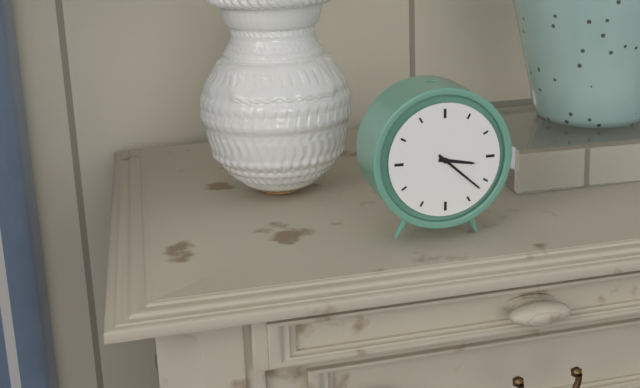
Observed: 3 h 22 min
